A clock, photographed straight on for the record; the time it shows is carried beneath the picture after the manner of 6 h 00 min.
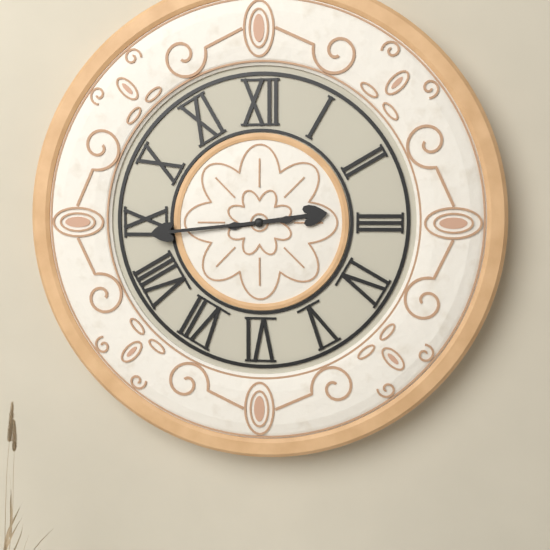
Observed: 2 h 44 min
